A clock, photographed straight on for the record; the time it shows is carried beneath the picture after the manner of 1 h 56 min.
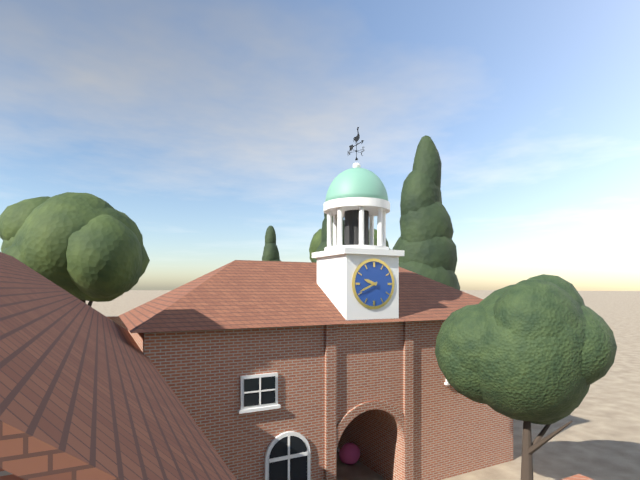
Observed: 9 h 41 min
